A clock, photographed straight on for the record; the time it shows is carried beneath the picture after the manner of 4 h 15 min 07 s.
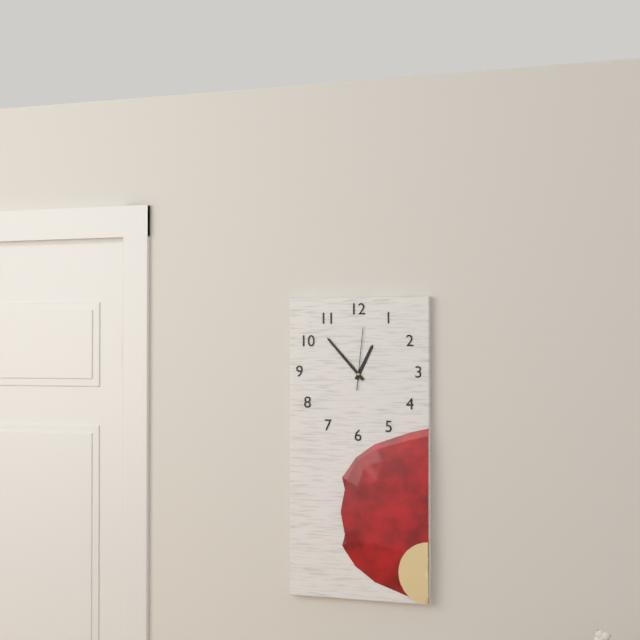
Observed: 12 h 53 min 01 s
